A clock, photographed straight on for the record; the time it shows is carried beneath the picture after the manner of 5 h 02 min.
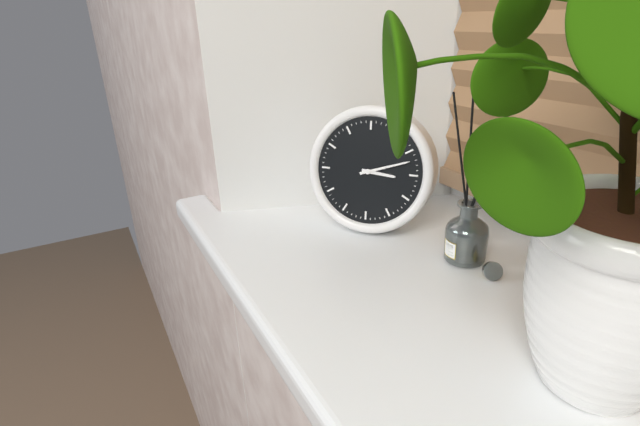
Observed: 3 h 12 min
